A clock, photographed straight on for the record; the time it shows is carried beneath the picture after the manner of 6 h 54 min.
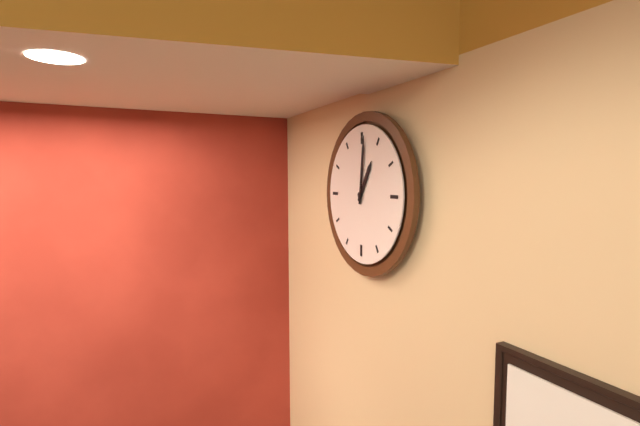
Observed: 1 h 01 min
